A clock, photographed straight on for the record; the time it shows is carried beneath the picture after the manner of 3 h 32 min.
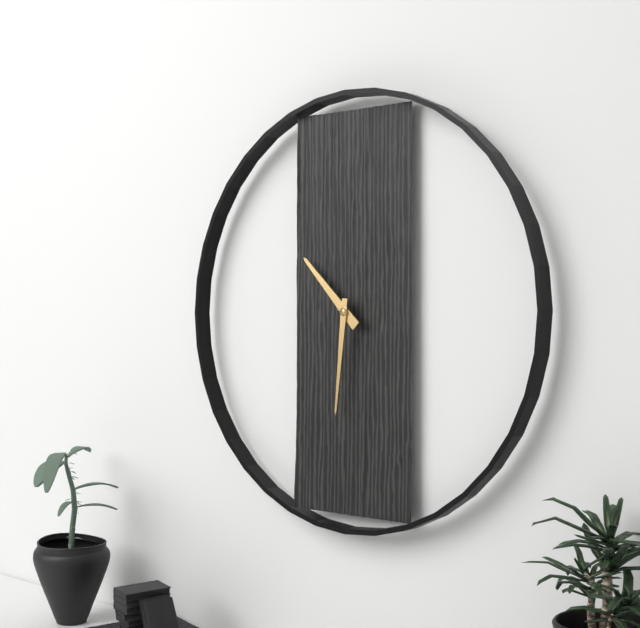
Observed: 10 h 31 min
